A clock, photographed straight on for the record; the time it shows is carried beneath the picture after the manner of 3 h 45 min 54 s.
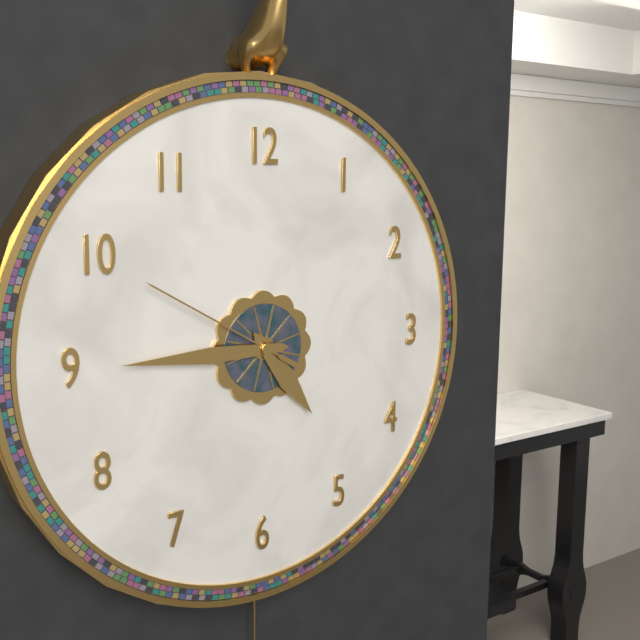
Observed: 4 h 45 min 50 s
